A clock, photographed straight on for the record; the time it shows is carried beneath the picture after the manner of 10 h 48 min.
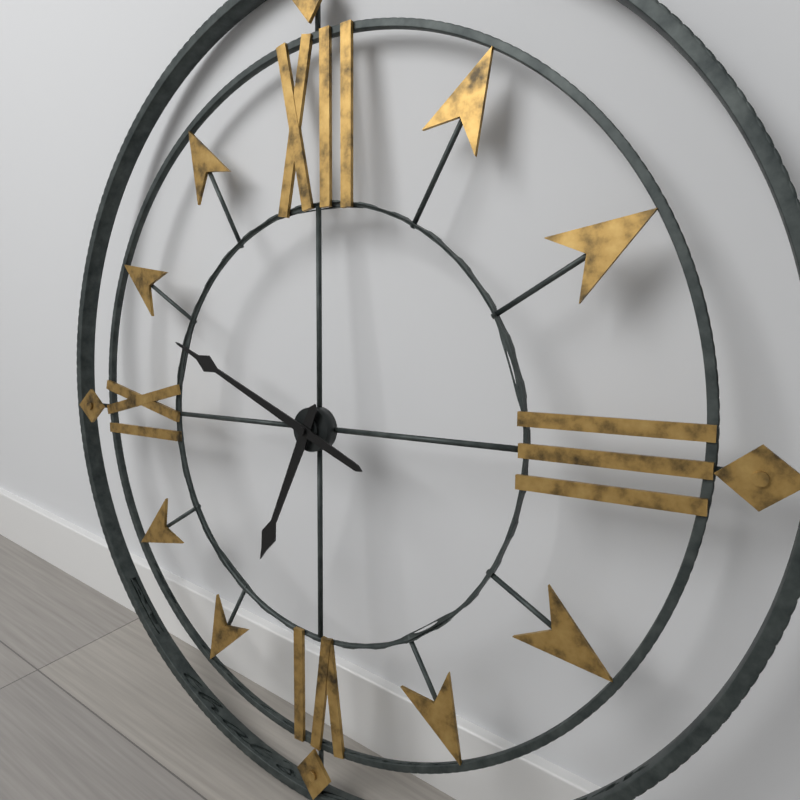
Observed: 6 h 49 min
